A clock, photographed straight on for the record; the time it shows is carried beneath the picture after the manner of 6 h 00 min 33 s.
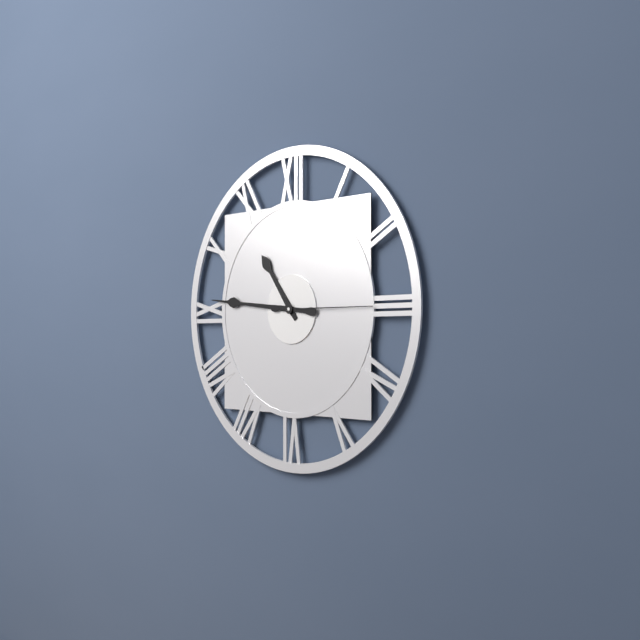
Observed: 10 h 46 min 15 s
